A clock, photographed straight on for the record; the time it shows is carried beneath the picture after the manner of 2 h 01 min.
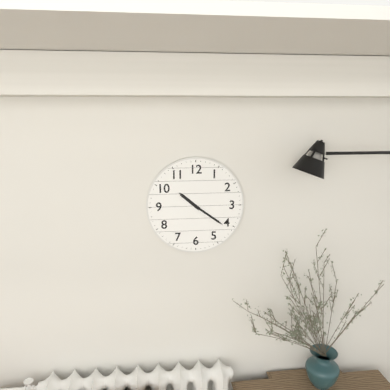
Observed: 10 h 21 min
